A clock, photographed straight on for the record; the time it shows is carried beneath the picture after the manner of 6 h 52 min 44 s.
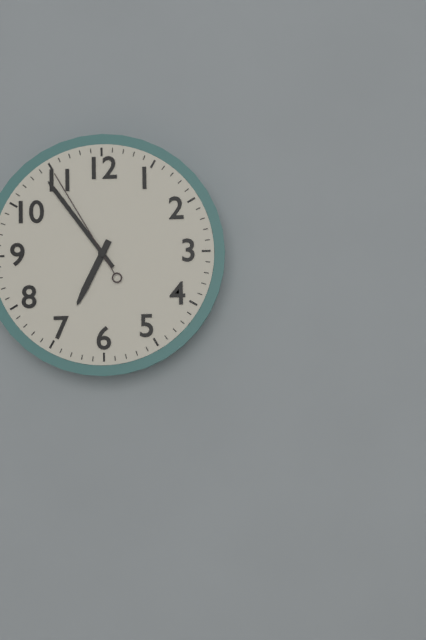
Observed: 6 h 54 min 55 s
